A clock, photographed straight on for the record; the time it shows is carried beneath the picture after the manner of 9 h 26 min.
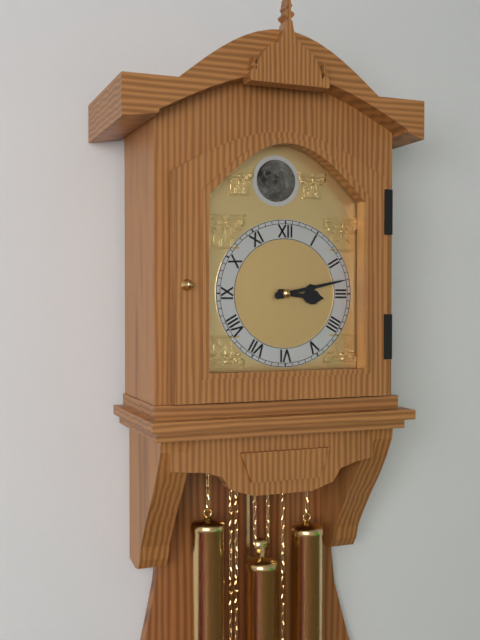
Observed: 3 h 13 min
